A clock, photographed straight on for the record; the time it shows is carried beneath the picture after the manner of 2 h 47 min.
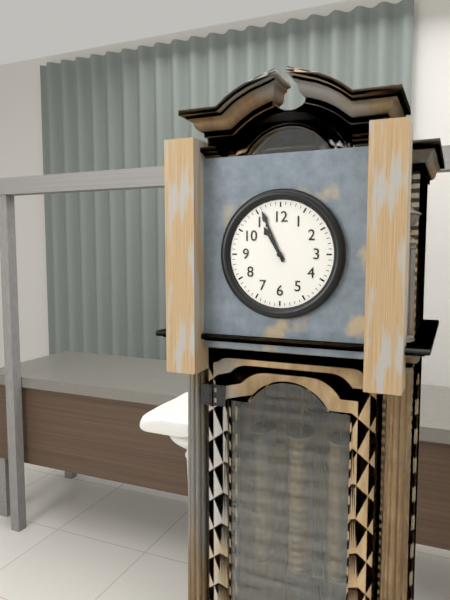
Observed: 10 h 56 min
